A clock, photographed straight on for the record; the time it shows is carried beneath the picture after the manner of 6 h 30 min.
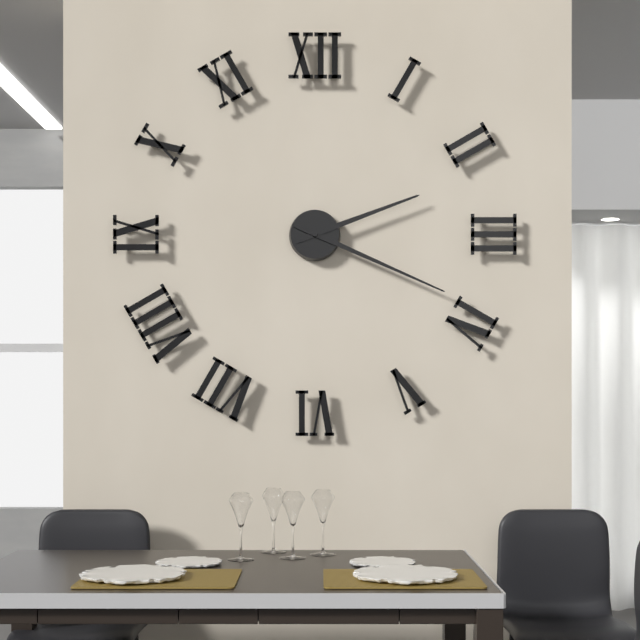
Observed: 2 h 19 min
